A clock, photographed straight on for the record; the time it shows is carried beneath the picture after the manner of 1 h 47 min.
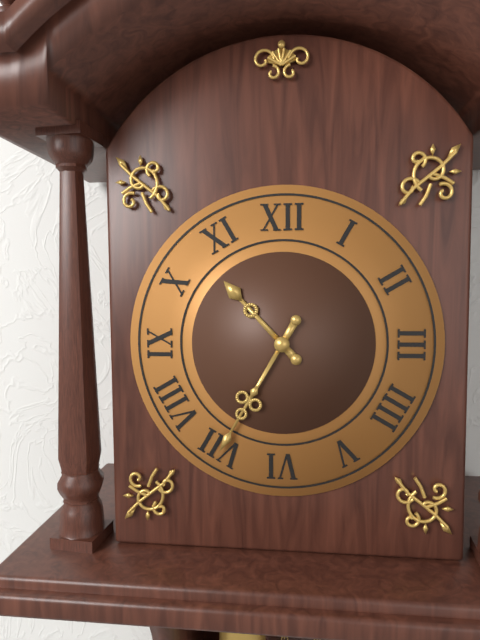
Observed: 10 h 35 min
